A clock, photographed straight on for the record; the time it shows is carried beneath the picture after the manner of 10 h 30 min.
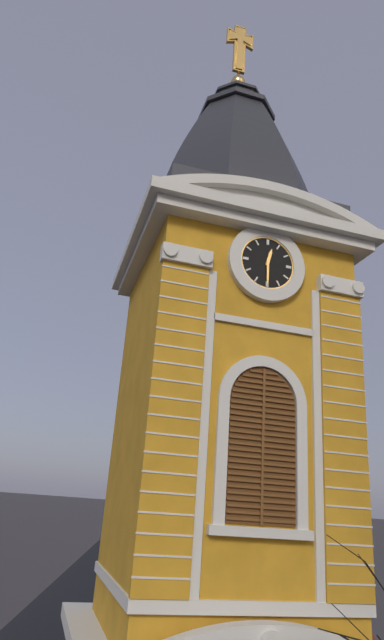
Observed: 12 h 30 min
